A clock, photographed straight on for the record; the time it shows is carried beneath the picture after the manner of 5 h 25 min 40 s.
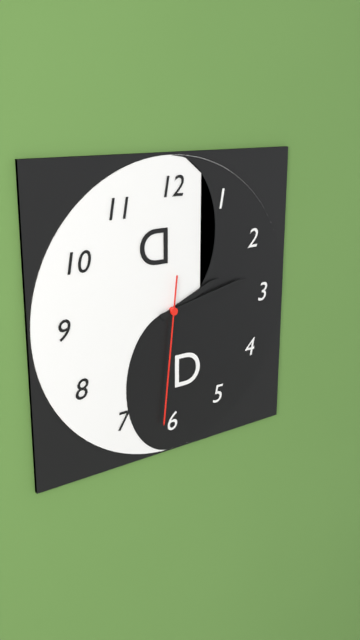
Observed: 2 h 13 min 31 s
